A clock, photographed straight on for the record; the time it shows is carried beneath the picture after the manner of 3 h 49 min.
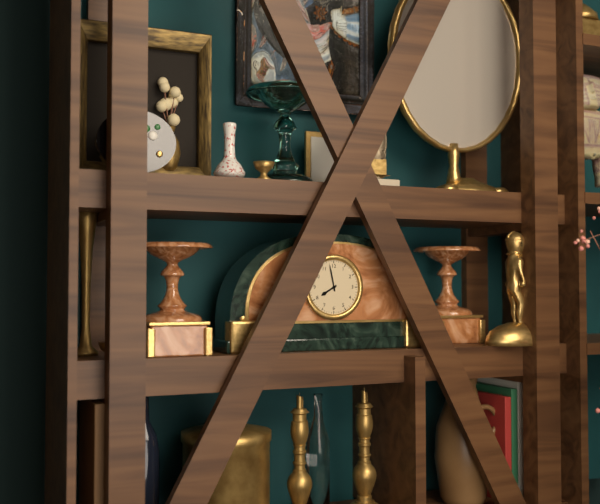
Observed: 7 h 58 min
